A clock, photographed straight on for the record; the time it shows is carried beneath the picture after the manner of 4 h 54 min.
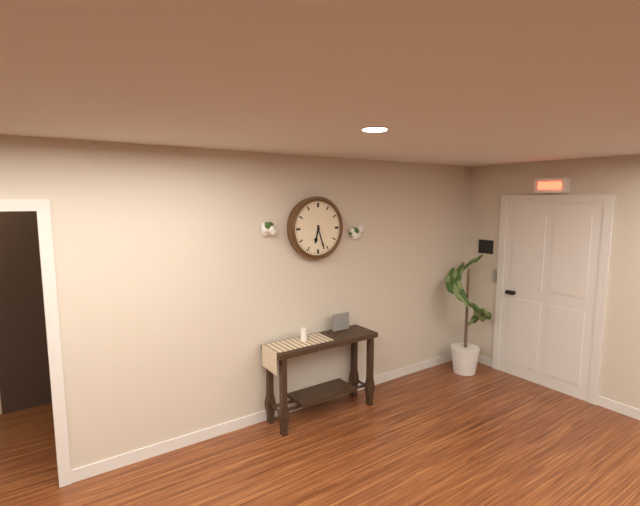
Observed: 6 h 27 min
